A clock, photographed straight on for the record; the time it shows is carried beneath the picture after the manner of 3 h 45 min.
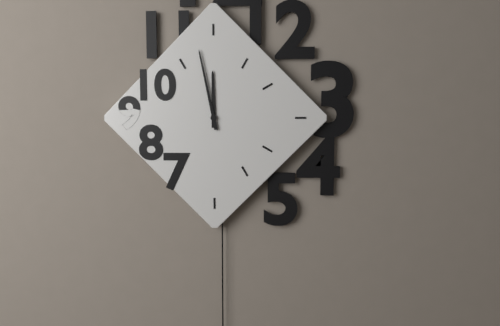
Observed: 11 h 58 min
